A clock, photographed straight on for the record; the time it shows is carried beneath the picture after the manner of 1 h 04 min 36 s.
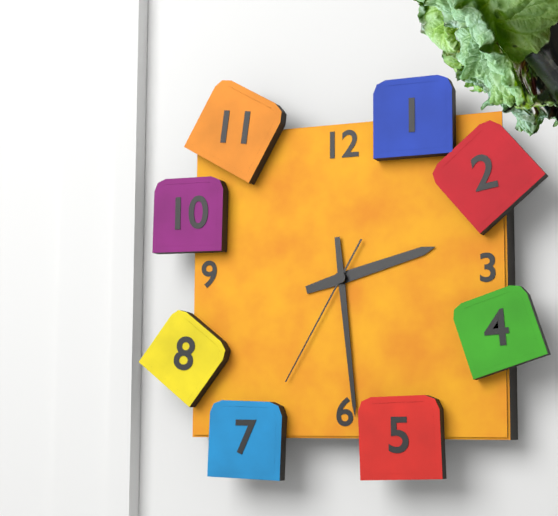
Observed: 2 h 29 min 35 s
